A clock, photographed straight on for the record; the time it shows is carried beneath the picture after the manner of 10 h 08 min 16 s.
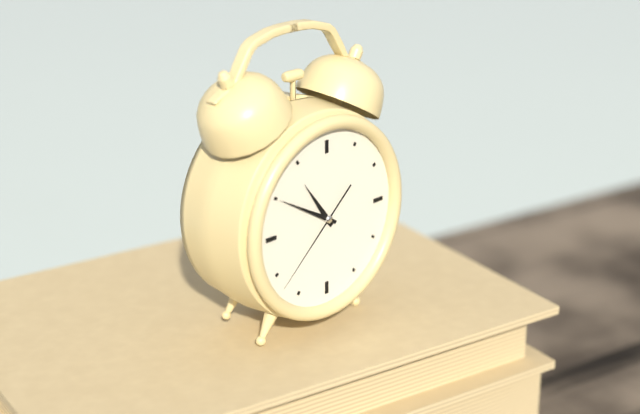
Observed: 10 h 50 min 38 s
